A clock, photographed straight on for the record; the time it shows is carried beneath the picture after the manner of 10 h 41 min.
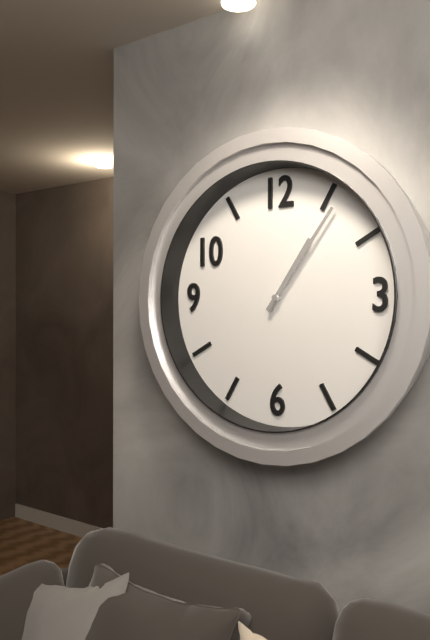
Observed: 1 h 06 min
